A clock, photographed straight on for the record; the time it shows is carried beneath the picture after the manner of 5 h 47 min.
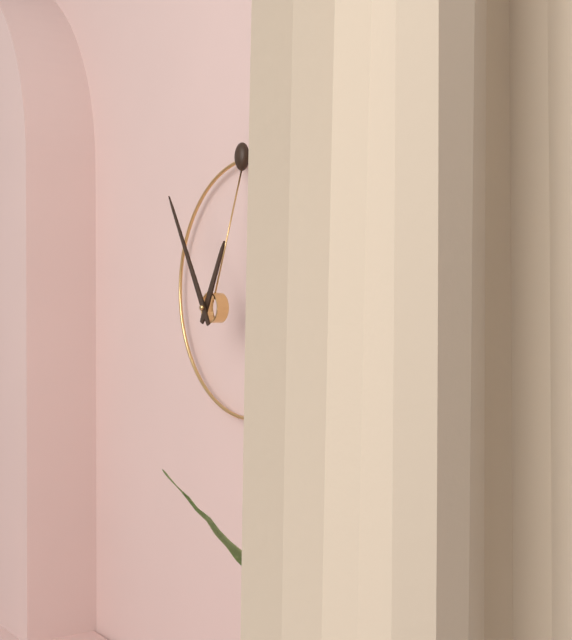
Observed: 12 h 55 min
